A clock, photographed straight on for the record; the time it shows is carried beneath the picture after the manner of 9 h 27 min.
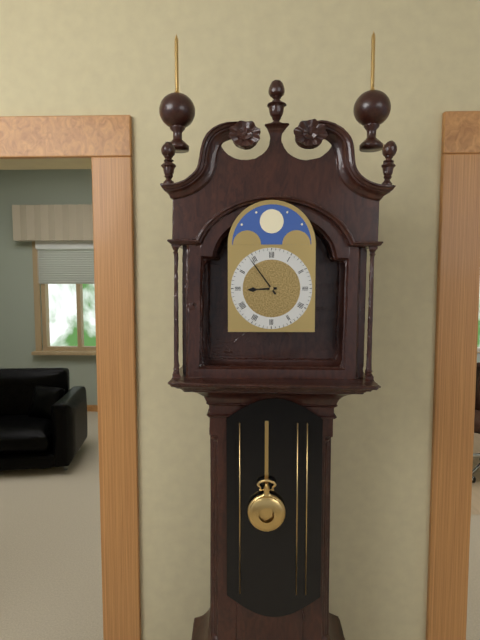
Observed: 8 h 54 min
